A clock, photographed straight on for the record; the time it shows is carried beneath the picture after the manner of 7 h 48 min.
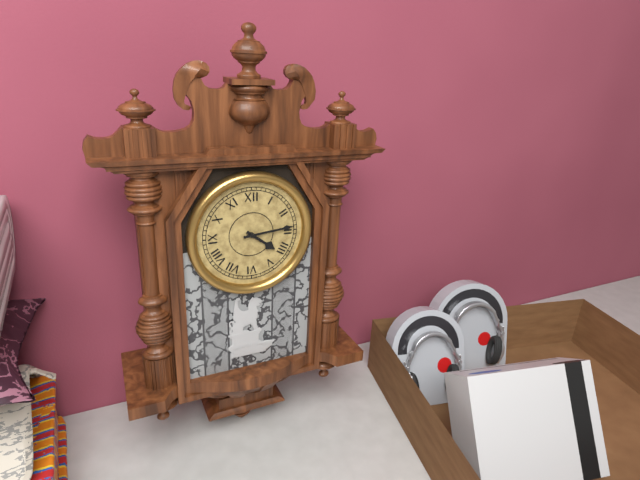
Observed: 4 h 14 min
